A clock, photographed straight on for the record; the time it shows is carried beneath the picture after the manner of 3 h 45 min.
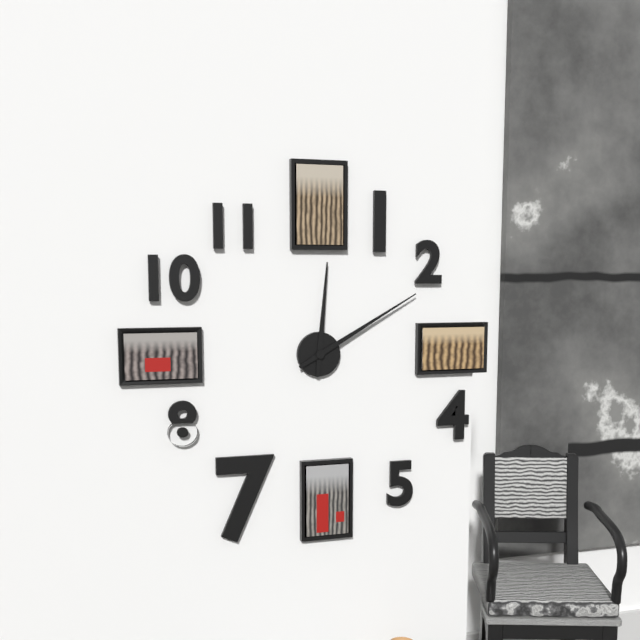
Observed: 12 h 10 min
